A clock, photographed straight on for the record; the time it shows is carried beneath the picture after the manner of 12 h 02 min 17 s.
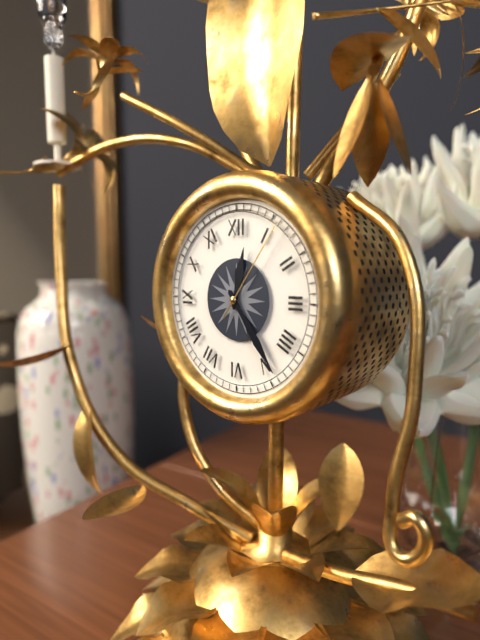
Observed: 12 h 24 min 06 s
